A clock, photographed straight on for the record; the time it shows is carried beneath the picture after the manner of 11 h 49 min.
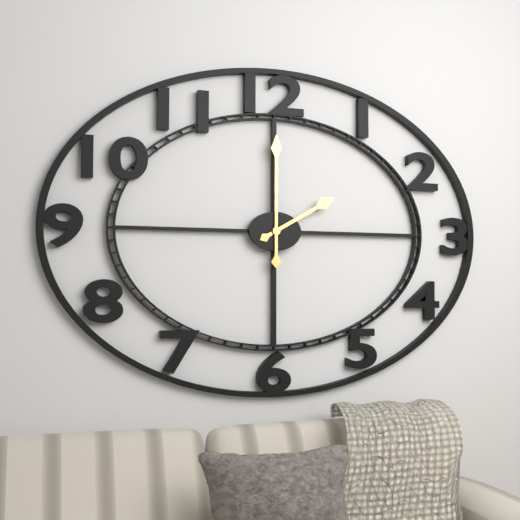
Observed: 2 h 00 min
